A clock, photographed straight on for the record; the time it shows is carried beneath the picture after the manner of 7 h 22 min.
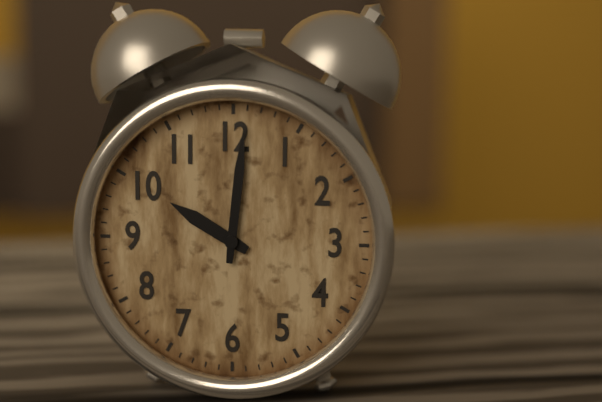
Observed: 10 h 01 min
